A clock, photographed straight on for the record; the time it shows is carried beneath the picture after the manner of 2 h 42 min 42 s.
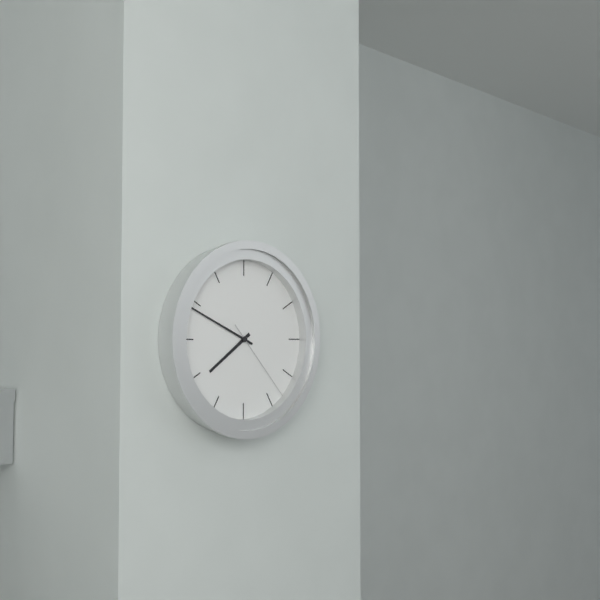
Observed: 7 h 49 min 23 s
